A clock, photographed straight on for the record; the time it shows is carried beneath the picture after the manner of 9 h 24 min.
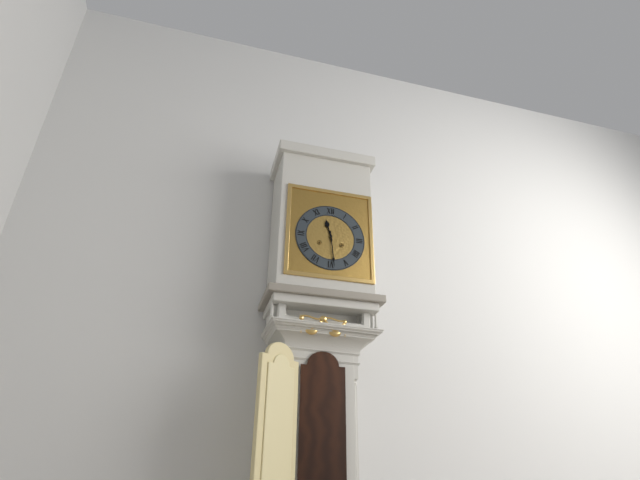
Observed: 11 h 29 min
